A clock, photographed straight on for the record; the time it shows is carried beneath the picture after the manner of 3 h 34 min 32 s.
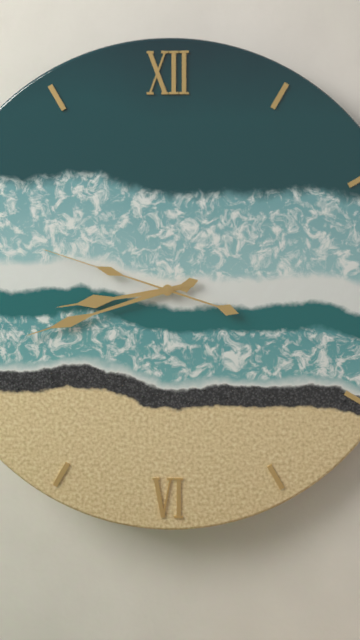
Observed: 8 h 42 min 48 s
